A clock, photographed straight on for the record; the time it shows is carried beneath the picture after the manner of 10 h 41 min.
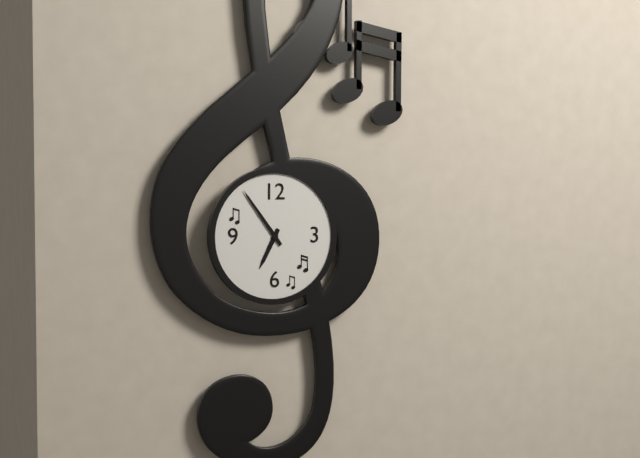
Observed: 6 h 54 min
